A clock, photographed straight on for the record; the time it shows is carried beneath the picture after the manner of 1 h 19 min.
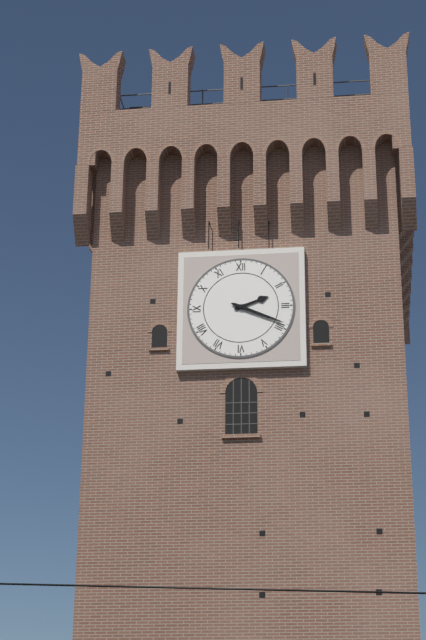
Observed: 2 h 19 min
